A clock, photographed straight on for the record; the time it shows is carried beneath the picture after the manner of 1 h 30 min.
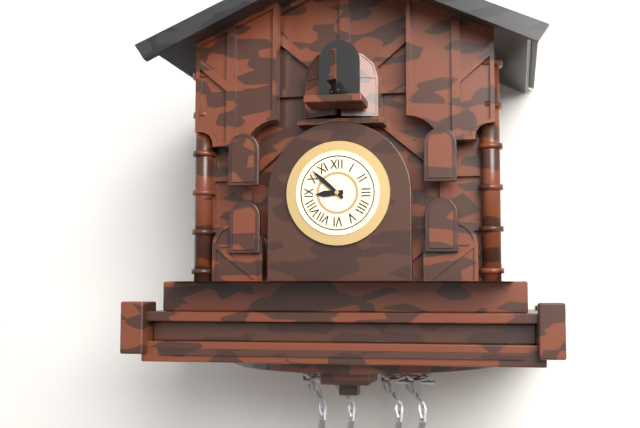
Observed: 8 h 52 min
